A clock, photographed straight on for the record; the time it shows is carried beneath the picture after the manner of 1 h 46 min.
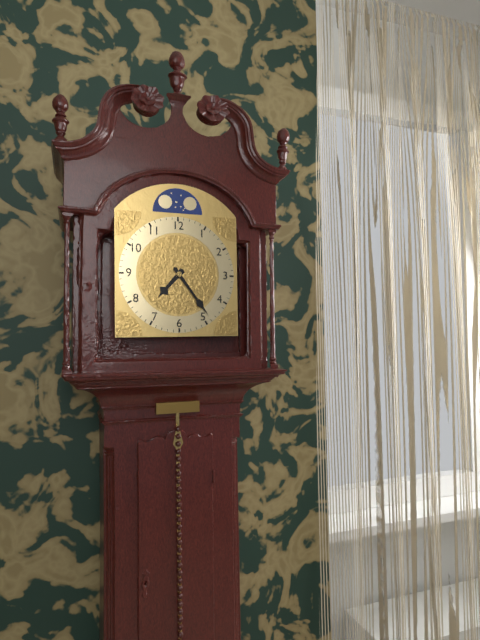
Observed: 7 h 24 min
